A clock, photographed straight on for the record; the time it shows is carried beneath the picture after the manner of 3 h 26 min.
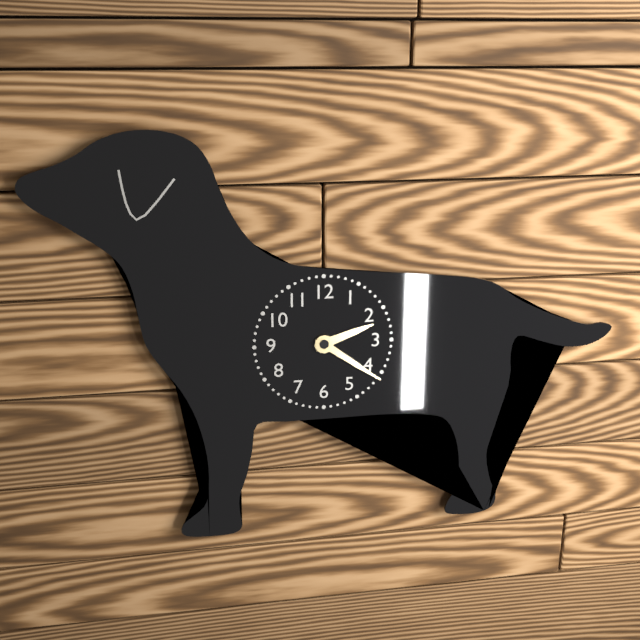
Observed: 2 h 21 min
